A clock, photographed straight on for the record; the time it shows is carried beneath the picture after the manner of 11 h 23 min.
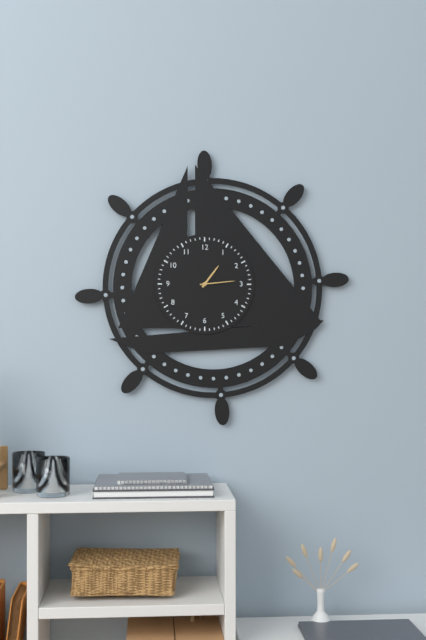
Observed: 1 h 14 min
